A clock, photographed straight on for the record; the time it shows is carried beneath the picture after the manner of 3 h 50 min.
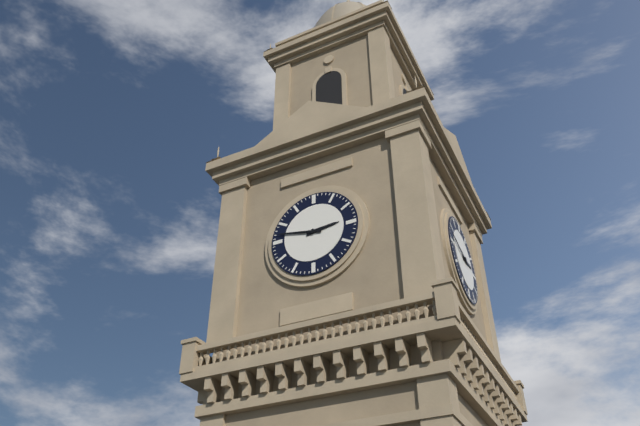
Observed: 2 h 47 min
